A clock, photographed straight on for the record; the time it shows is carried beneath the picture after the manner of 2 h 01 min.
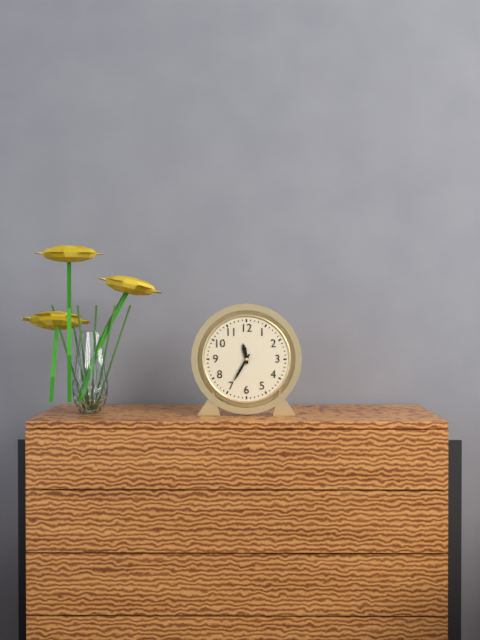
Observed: 11 h 35 min
